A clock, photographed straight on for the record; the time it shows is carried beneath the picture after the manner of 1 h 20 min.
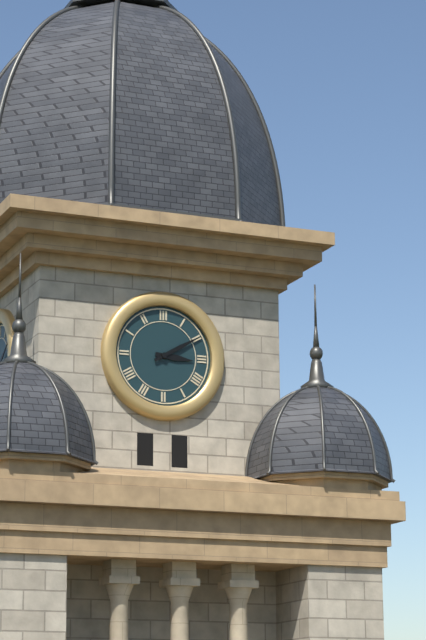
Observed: 3 h 10 min
